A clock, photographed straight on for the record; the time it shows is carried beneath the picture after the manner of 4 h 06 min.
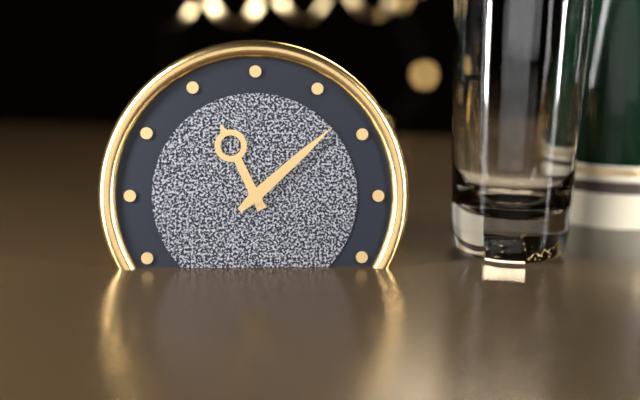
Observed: 11 h 08 min
